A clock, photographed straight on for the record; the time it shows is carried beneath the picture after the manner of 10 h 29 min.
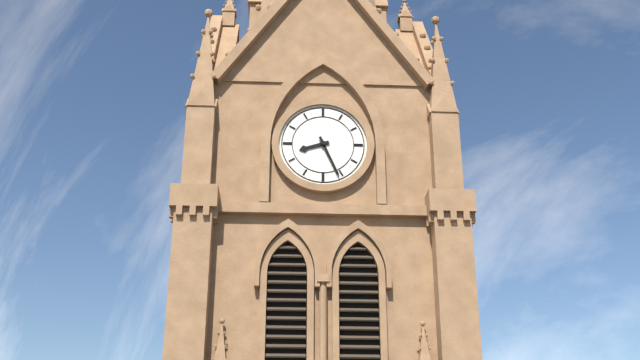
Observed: 8 h 26 min
